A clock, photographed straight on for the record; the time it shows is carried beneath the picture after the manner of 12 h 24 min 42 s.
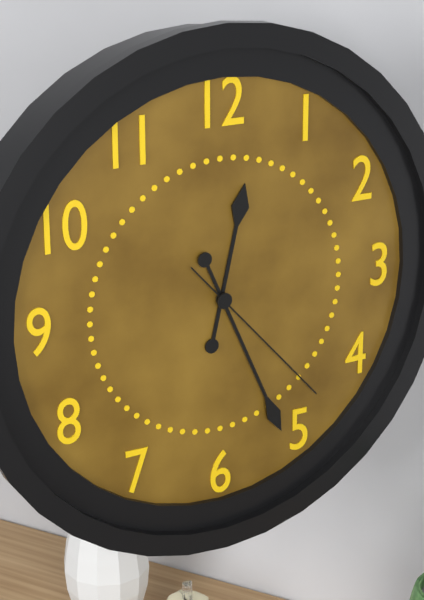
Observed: 12 h 26 min 23 s
